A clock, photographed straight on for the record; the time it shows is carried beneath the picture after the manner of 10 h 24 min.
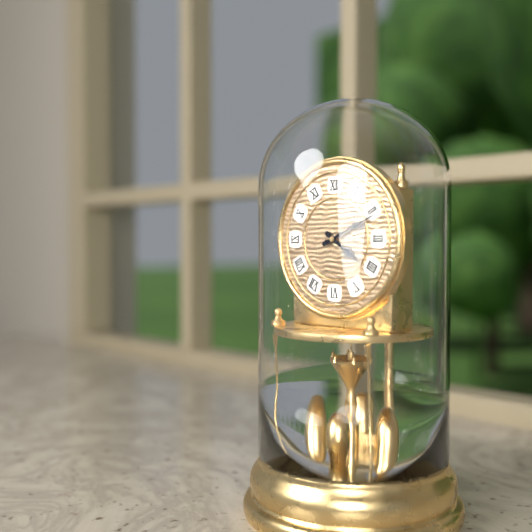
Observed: 4 h 11 min
